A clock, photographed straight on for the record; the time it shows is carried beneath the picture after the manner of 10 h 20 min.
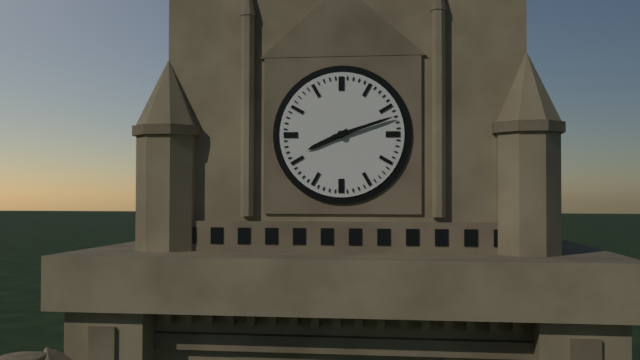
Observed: 8 h 12 min
